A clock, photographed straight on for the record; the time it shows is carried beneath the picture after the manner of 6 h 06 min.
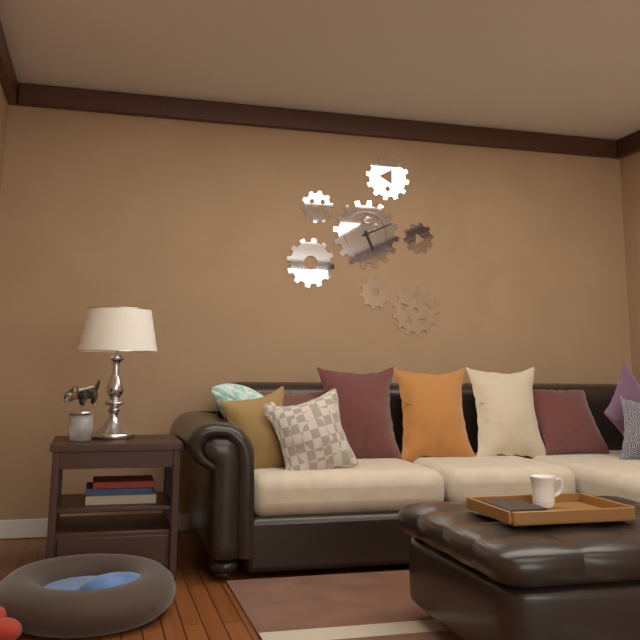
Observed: 5 h 11 min
